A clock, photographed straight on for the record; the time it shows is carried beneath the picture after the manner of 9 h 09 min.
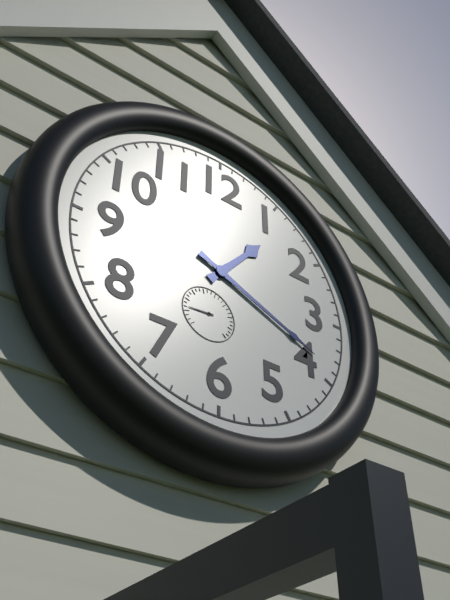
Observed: 1 h 19 min
